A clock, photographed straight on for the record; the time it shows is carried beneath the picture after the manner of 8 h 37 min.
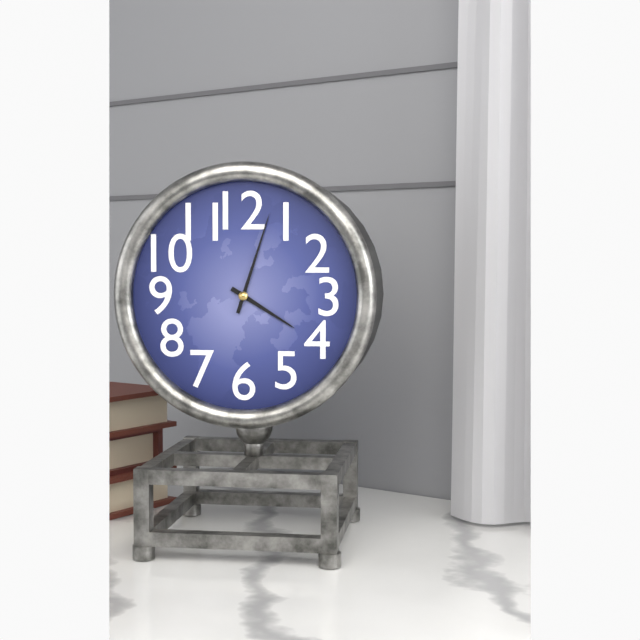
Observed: 4 h 03 min
